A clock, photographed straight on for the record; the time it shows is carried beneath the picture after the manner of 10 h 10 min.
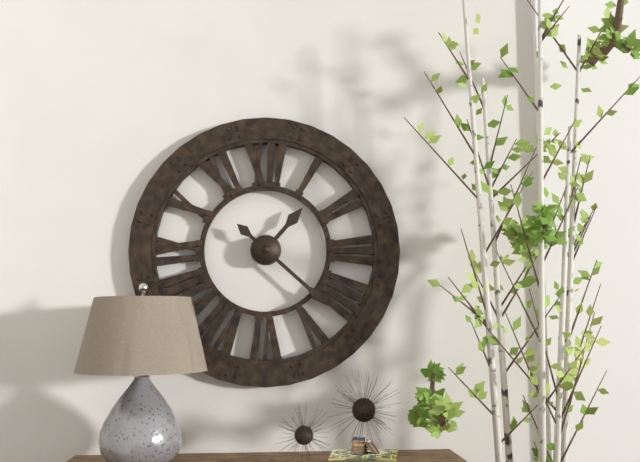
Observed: 1 h 22 min
